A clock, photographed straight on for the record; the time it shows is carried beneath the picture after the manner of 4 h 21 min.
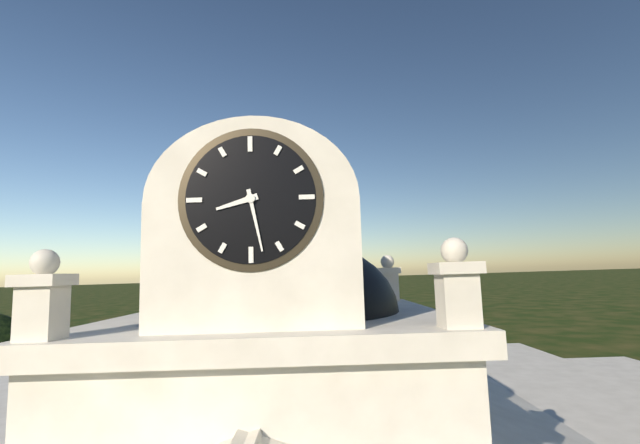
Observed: 8 h 28 min
